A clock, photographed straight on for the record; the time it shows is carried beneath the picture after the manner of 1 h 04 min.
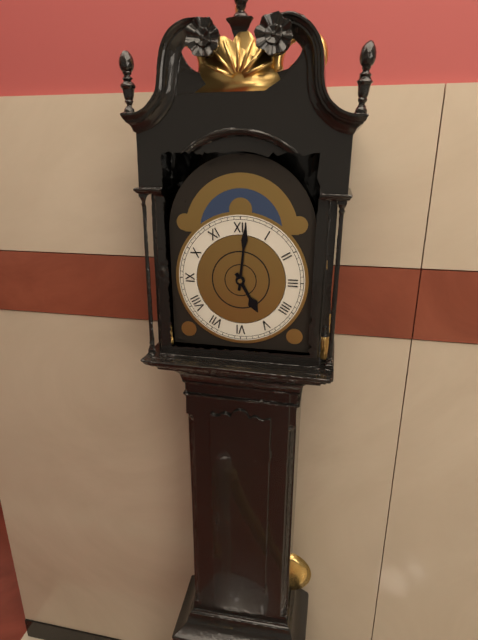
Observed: 5 h 01 min
